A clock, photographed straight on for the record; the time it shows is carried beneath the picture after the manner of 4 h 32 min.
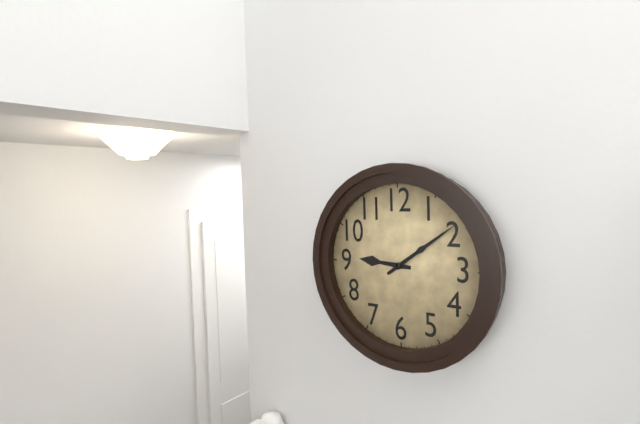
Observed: 9 h 09 min
